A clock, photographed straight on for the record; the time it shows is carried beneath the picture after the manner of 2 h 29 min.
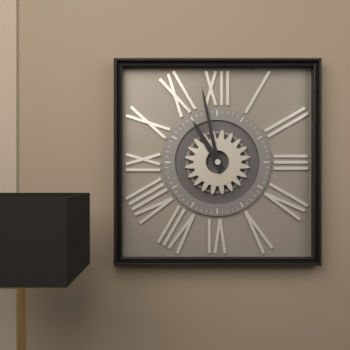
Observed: 10 h 58 min
